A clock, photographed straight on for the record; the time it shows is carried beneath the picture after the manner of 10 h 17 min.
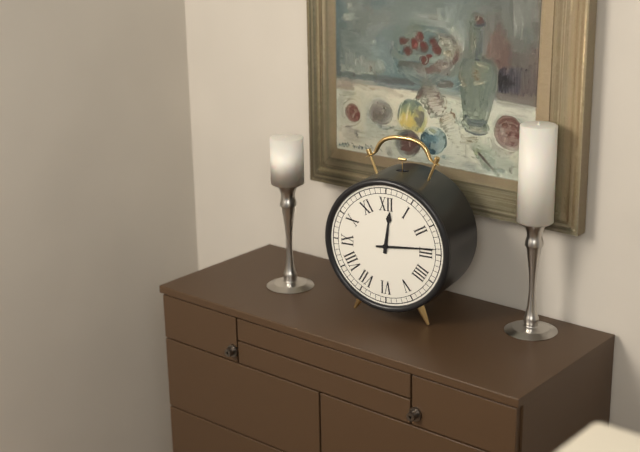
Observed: 12 h 14 min
